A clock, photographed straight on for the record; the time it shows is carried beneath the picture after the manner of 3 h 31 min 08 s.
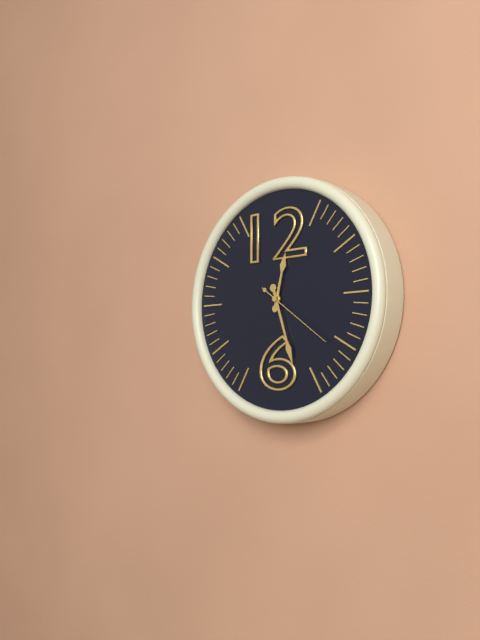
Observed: 12 h 27 min 21 s
